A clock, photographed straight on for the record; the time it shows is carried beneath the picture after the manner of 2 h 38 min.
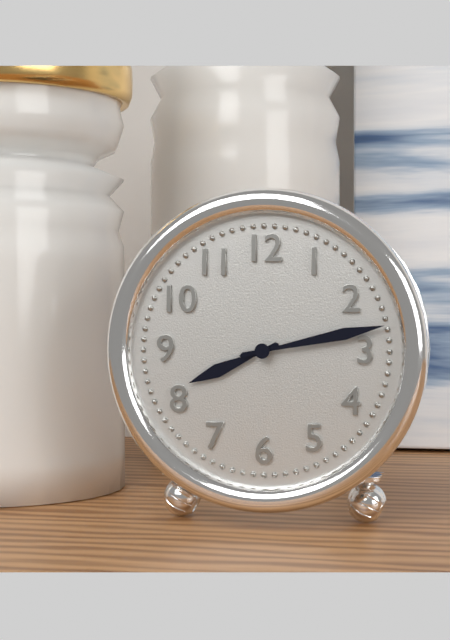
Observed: 8 h 13 min
